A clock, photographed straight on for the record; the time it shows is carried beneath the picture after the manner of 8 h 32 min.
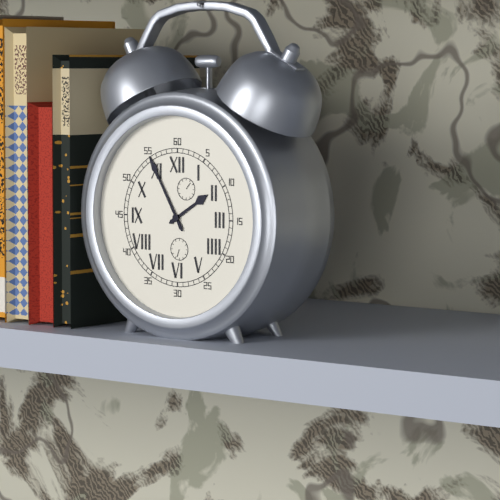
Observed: 1 h 55 min
